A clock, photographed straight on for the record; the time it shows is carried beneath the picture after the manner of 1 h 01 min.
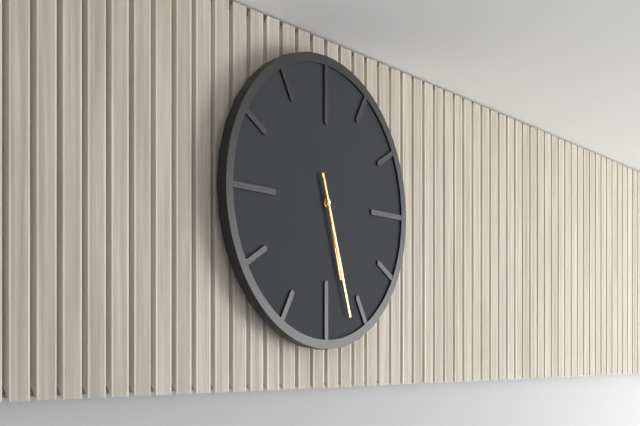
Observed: 5 h 27 min
